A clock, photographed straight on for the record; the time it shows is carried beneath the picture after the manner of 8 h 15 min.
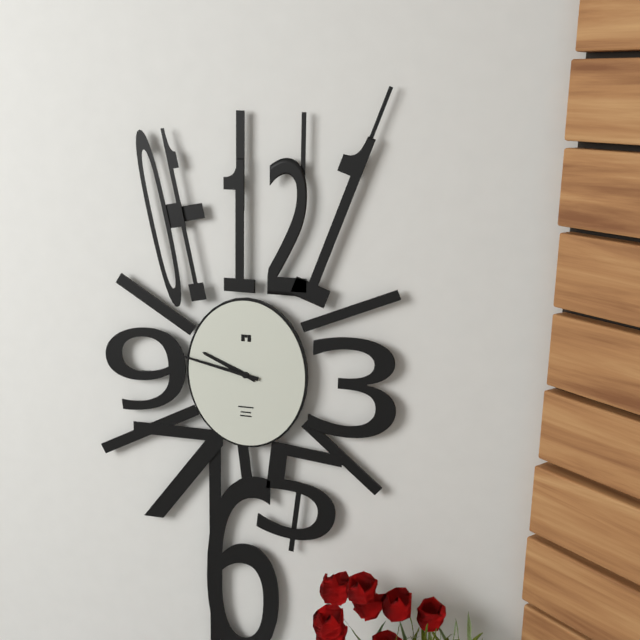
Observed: 9 h 47 min
